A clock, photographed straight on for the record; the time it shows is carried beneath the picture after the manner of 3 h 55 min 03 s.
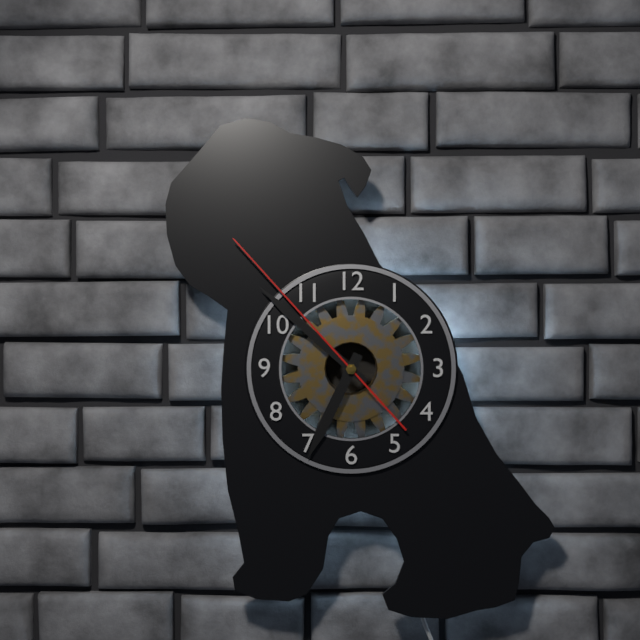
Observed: 6 h 52 min 53 s
